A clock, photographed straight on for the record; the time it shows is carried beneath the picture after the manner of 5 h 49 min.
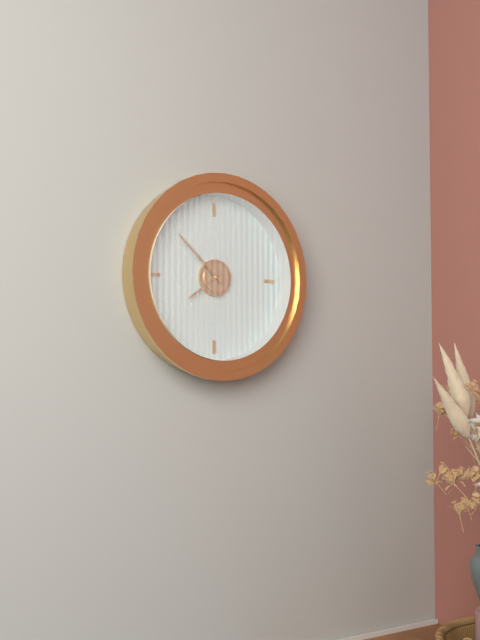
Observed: 7 h 52 min
